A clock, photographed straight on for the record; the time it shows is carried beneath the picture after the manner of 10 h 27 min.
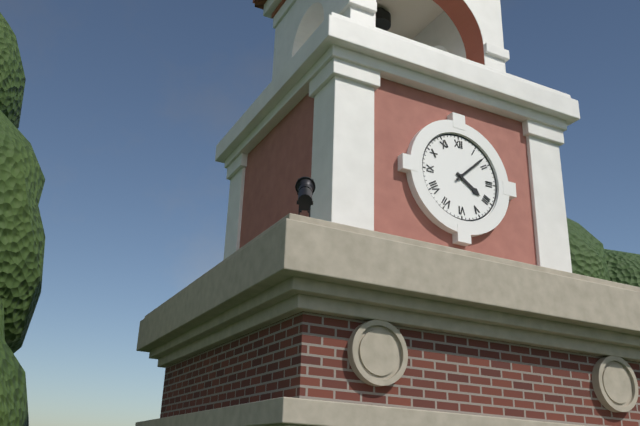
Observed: 4 h 08 min
